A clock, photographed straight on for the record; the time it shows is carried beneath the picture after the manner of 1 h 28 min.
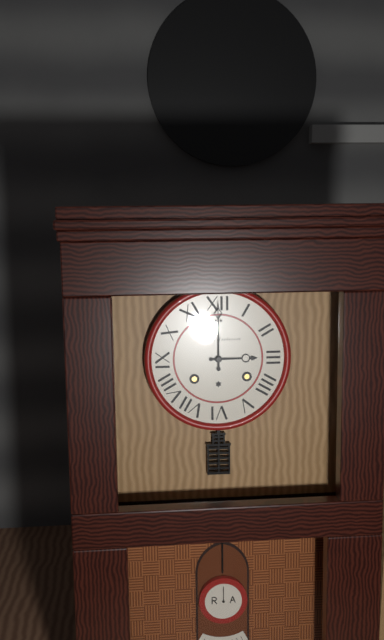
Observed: 3 h 00 min
